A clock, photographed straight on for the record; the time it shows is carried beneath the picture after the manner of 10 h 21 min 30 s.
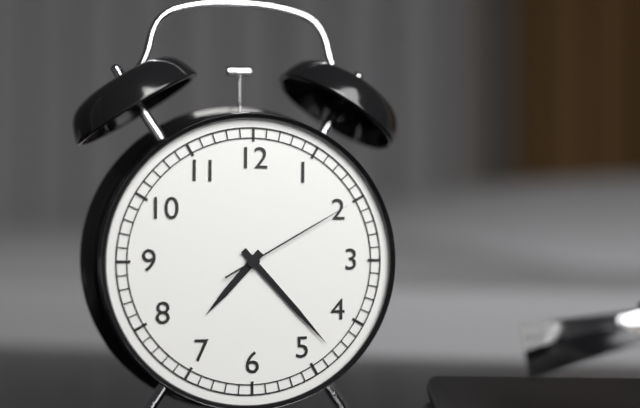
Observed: 7 h 23 min 10 s
